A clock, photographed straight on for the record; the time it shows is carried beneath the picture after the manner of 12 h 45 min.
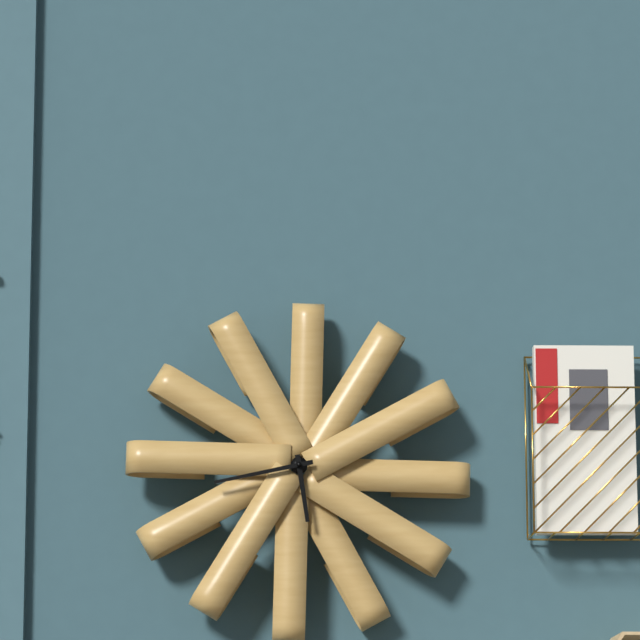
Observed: 5 h 43 min
